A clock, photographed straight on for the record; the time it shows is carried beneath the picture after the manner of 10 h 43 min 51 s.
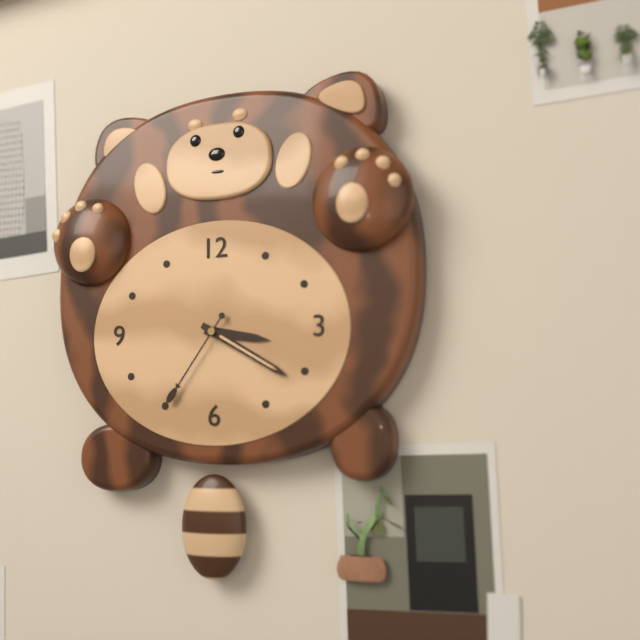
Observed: 3 h 20 min 36 s
